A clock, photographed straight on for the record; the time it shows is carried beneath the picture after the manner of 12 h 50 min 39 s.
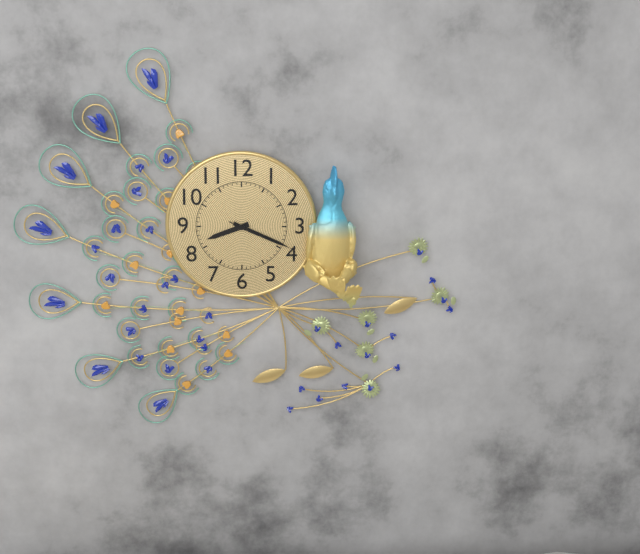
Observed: 8 h 19 min 19 s
